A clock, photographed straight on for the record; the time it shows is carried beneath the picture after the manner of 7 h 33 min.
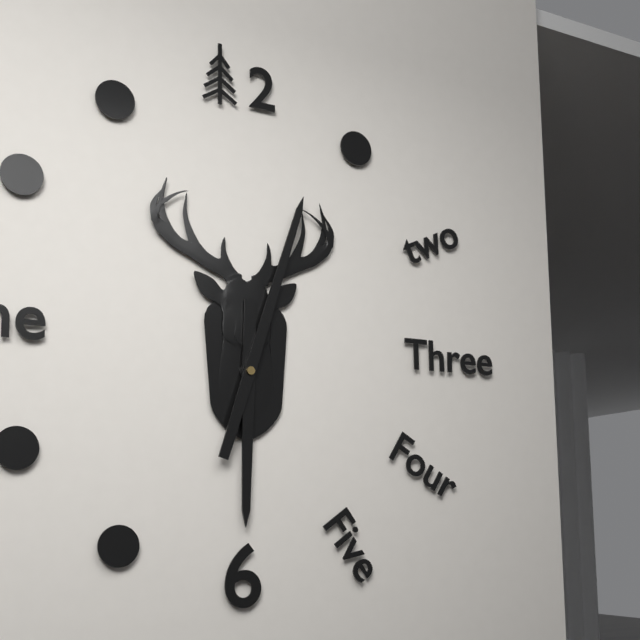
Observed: 6 h 03 min
